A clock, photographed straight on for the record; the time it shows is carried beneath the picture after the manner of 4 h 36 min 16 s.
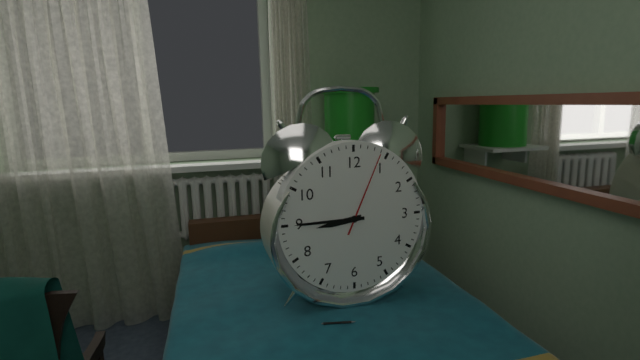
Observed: 8 h 45 min 04 s
